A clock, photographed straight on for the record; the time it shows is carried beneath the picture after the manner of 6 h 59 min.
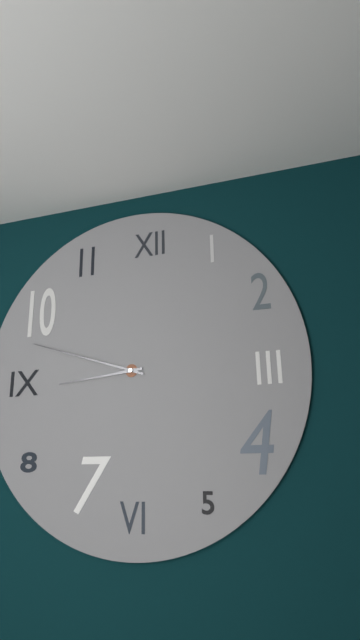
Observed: 8 h 48 min
